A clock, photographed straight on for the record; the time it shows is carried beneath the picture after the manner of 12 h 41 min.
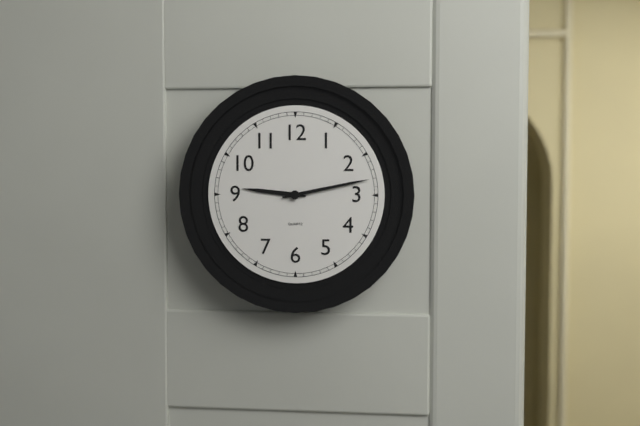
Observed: 9 h 13 min
